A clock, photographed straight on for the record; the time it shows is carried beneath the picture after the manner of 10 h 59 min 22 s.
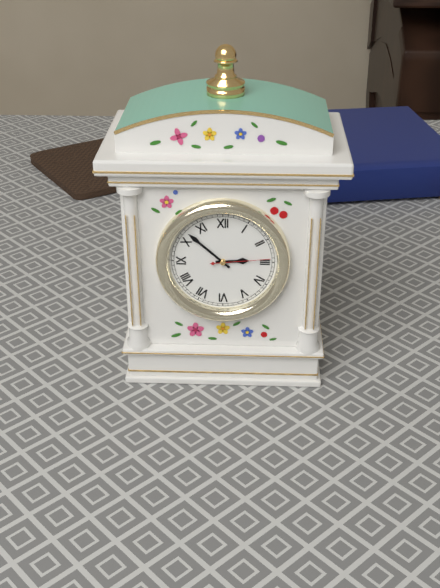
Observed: 2 h 52 min 14 s
